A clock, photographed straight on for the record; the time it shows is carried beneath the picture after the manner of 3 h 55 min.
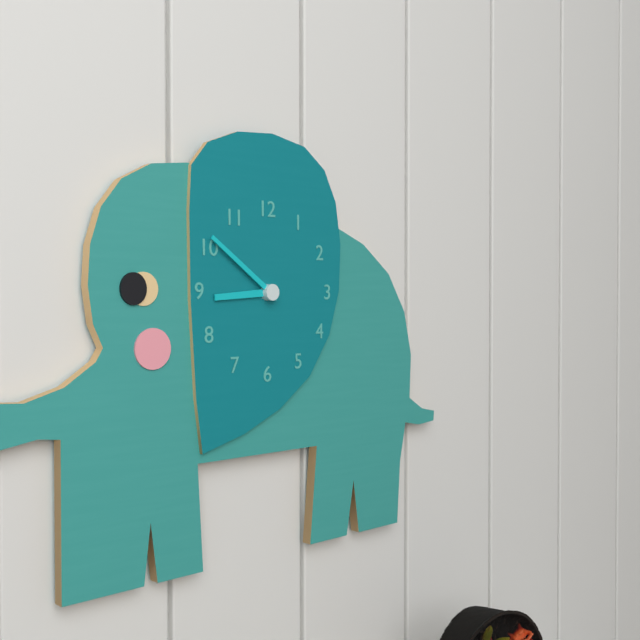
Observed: 8 h 51 min
